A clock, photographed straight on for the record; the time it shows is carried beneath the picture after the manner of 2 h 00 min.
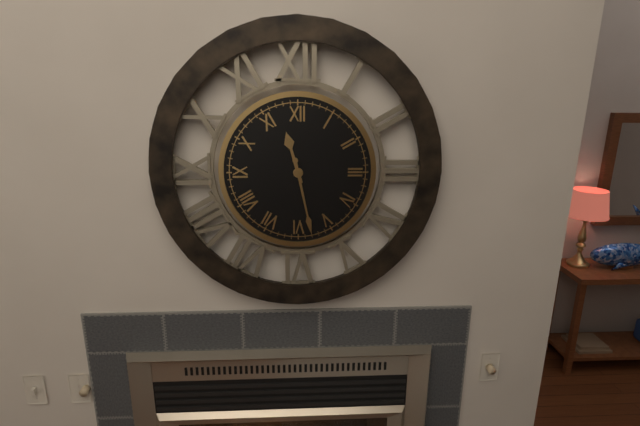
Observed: 11 h 28 min
